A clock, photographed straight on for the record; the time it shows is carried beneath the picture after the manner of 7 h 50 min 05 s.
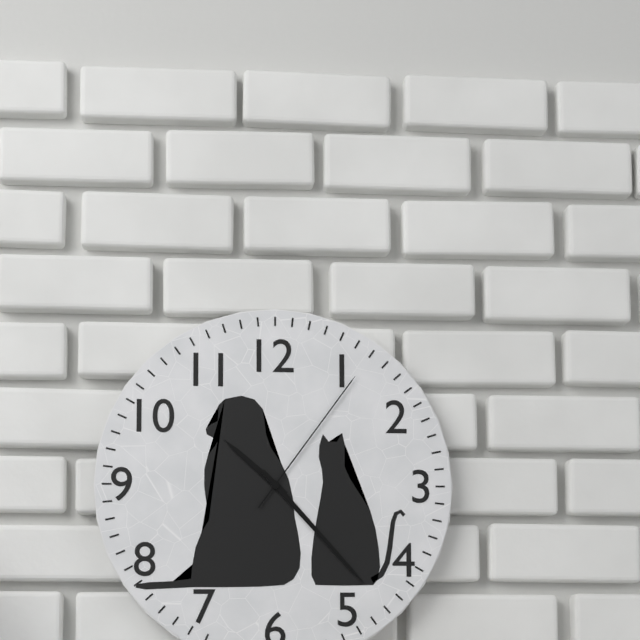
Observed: 10 h 23 min 06 s
